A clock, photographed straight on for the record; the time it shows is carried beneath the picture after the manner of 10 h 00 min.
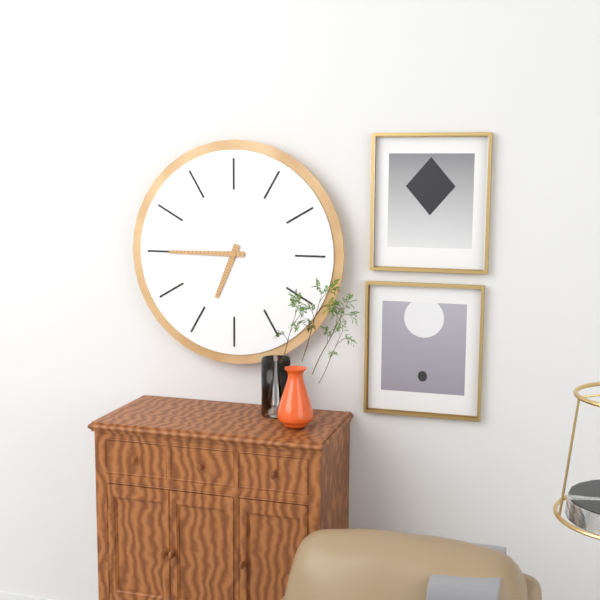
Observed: 6 h 45 min
